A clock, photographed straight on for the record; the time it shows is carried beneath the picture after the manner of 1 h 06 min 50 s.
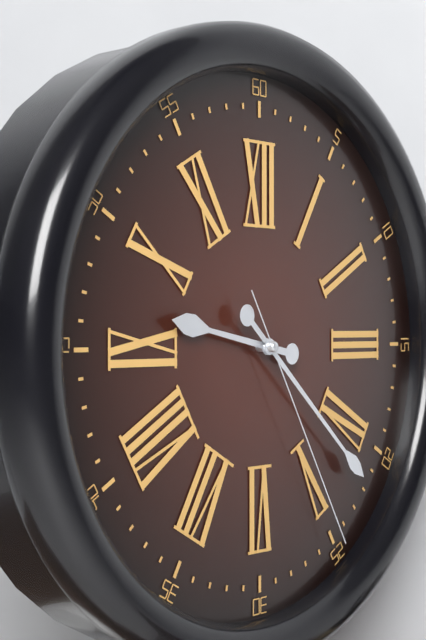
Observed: 9 h 22 min 25 s
